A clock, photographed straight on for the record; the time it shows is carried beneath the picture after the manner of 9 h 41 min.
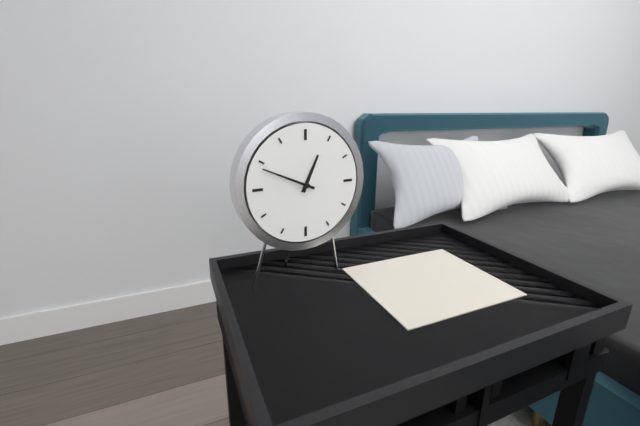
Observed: 12 h 49 min
